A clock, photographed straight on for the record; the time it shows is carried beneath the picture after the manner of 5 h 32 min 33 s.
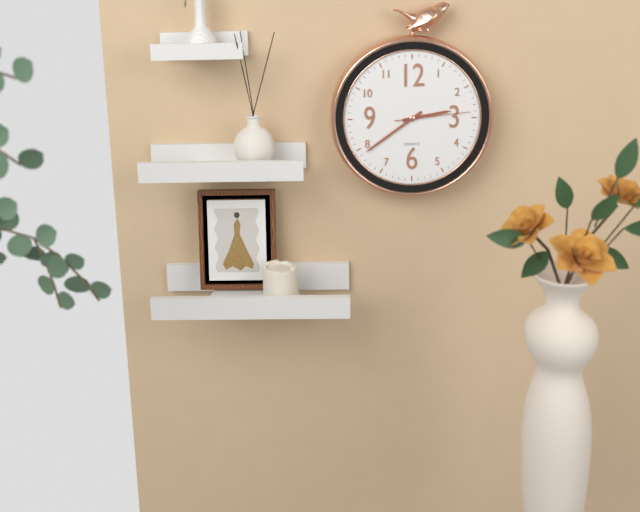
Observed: 2 h 39 min 14 s
